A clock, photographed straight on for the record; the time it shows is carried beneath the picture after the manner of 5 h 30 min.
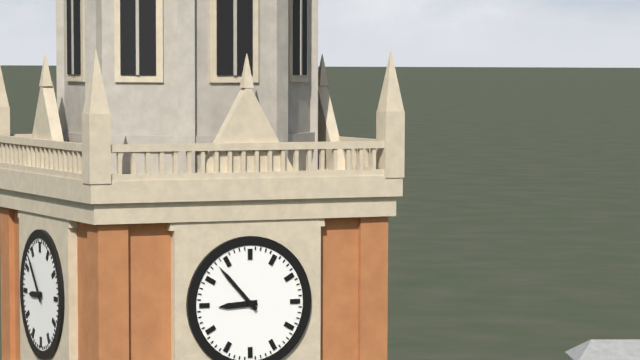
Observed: 8 h 53 min
